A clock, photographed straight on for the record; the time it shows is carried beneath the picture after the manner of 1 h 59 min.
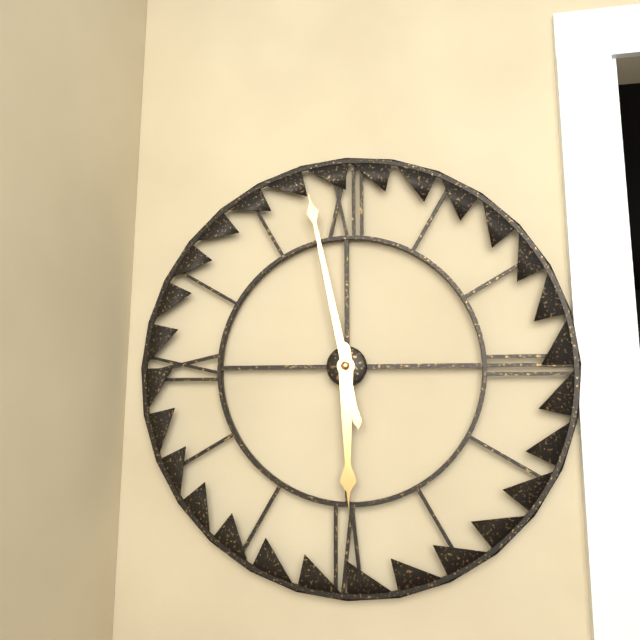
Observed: 5 h 58 min
